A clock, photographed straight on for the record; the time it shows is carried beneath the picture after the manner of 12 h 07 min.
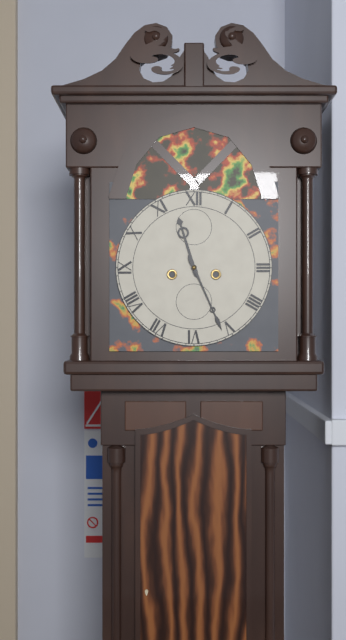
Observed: 11 h 26 min
